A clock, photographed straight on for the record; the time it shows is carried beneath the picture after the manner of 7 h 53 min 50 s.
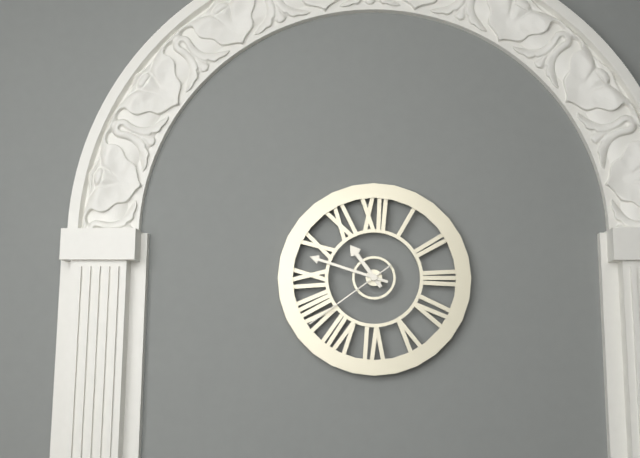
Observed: 10 h 48 min 39 s
